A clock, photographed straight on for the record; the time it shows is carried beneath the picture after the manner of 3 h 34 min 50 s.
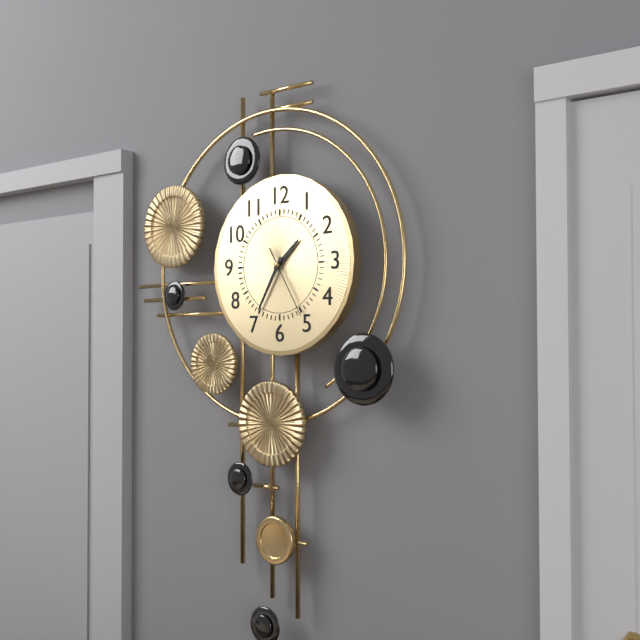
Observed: 1 h 35 min 25 s
